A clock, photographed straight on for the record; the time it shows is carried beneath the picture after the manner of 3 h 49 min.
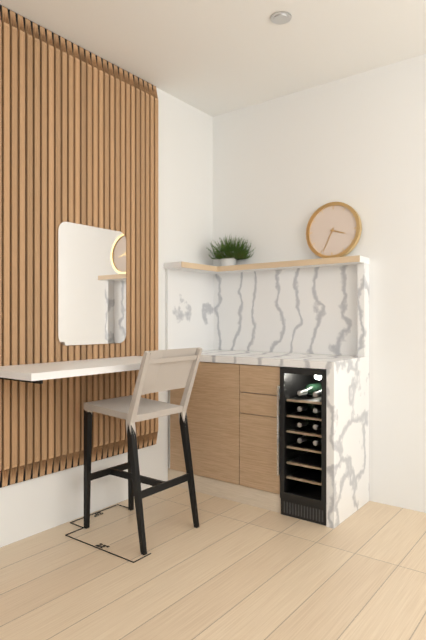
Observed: 3 h 34 min
